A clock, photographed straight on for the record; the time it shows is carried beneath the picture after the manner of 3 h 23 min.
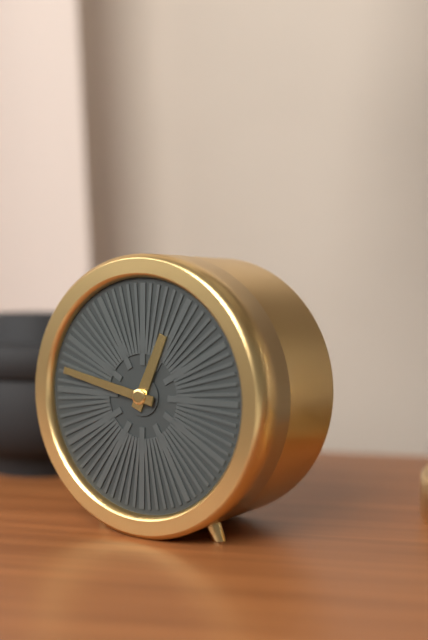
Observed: 12 h 47 min
